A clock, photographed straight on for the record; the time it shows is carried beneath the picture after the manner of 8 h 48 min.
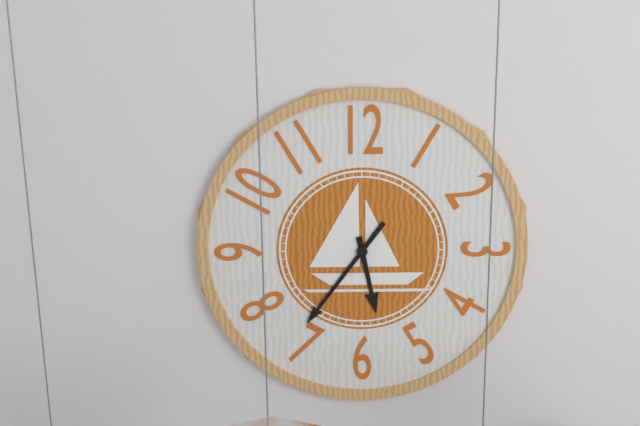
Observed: 5 h 36 min
